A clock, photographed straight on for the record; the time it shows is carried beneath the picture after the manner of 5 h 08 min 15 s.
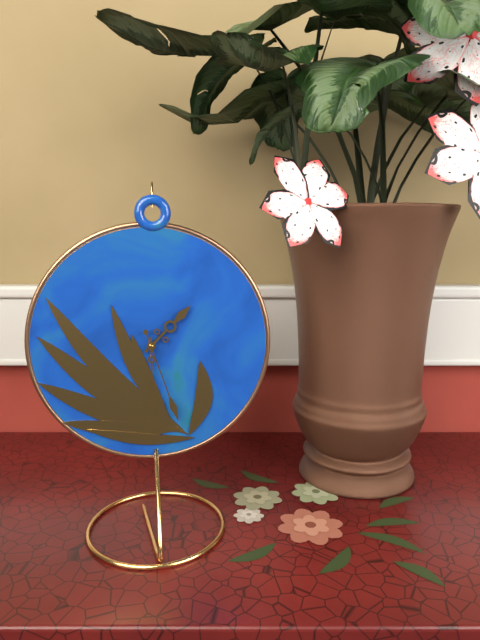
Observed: 1 h 30 min 27 s
